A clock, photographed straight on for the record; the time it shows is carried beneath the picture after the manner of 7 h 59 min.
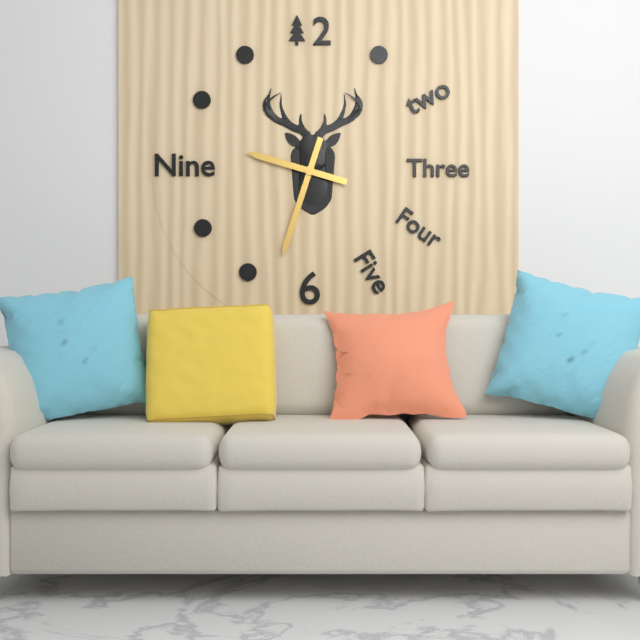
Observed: 9 h 33 min
